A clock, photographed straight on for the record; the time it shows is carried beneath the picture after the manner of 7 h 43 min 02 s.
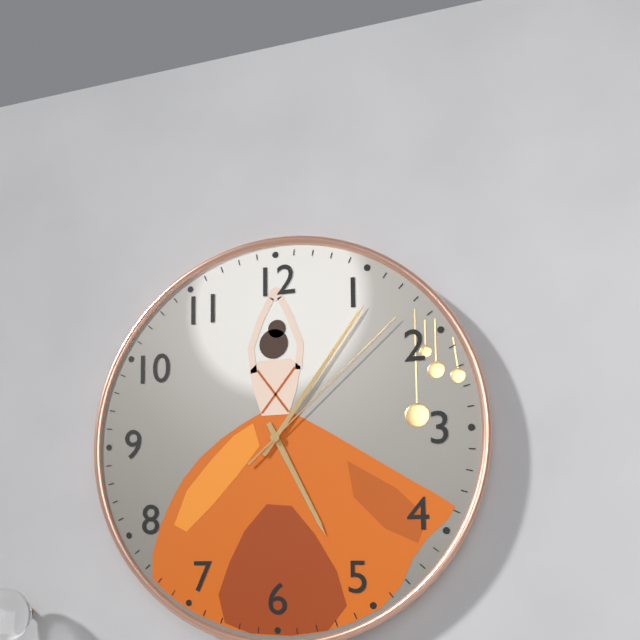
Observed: 5 h 06 min 08 s
